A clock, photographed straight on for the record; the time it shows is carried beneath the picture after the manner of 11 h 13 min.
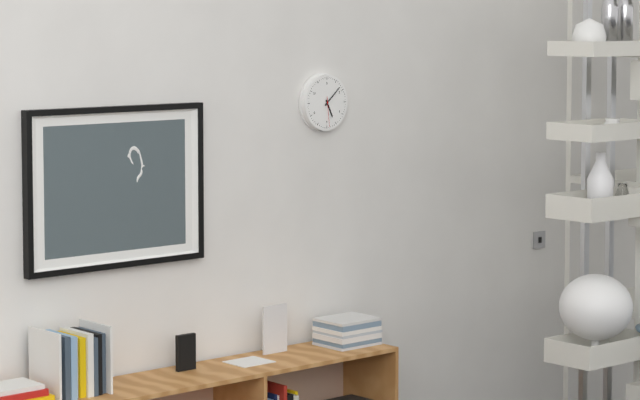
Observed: 5 h 08 min
